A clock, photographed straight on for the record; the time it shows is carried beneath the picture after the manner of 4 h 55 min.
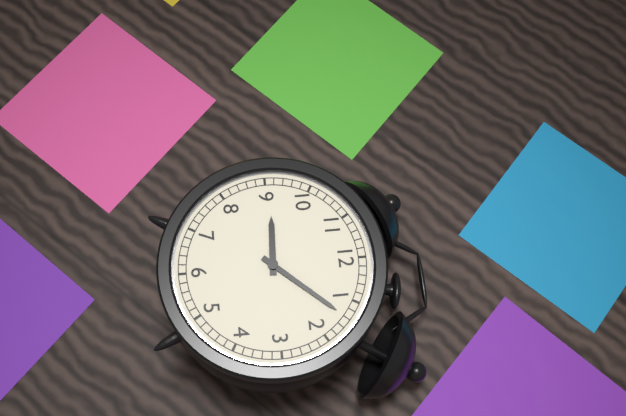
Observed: 9 h 07 min
